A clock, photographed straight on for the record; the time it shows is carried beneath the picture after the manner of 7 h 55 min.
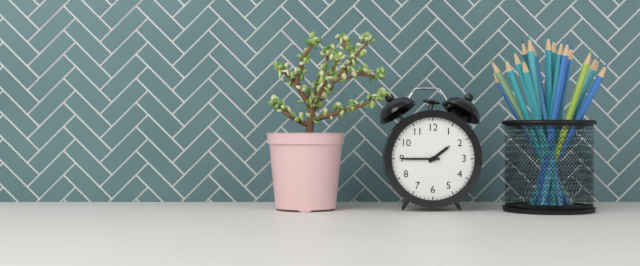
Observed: 1 h 45 min
